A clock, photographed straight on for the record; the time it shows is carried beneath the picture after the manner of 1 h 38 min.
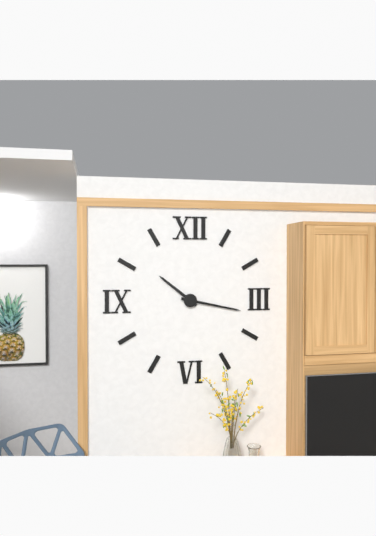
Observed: 10 h 17 min
